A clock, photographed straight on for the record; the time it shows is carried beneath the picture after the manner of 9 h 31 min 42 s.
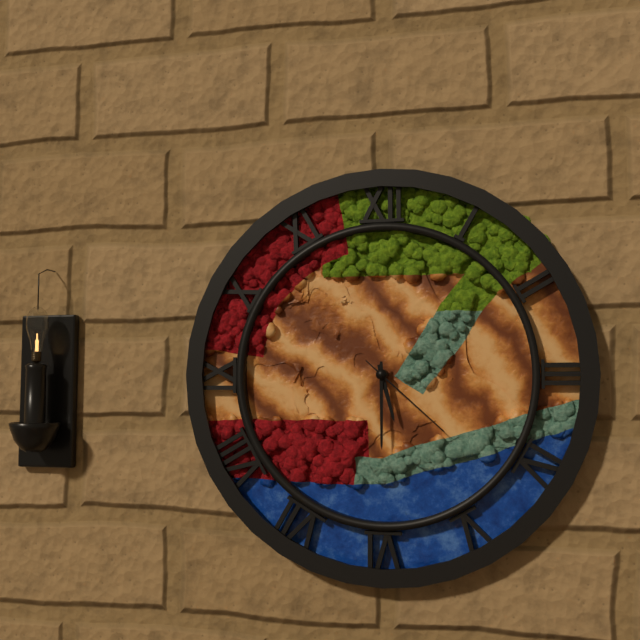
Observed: 5 h 30 min 22 s
